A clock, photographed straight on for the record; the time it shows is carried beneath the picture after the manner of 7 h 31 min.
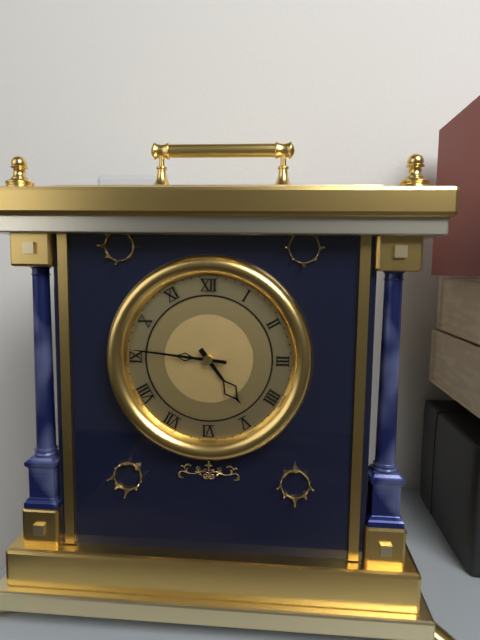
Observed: 4 h 46 min
